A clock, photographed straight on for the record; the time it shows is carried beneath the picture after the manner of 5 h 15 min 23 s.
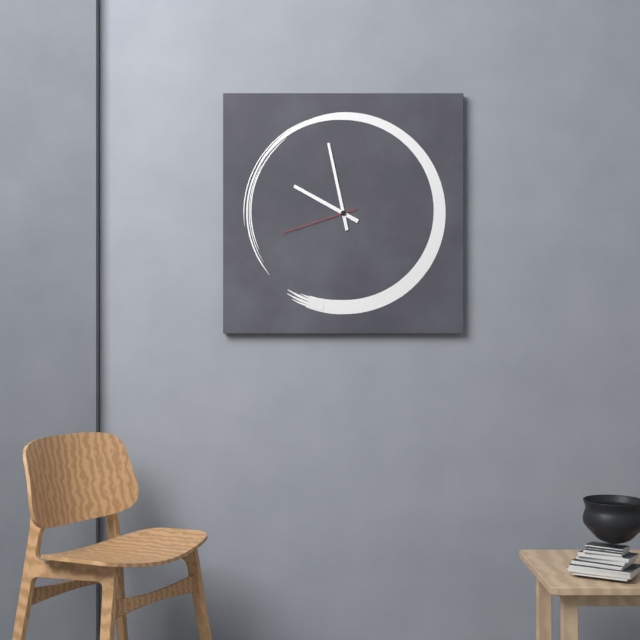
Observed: 9 h 58 min 42 s
